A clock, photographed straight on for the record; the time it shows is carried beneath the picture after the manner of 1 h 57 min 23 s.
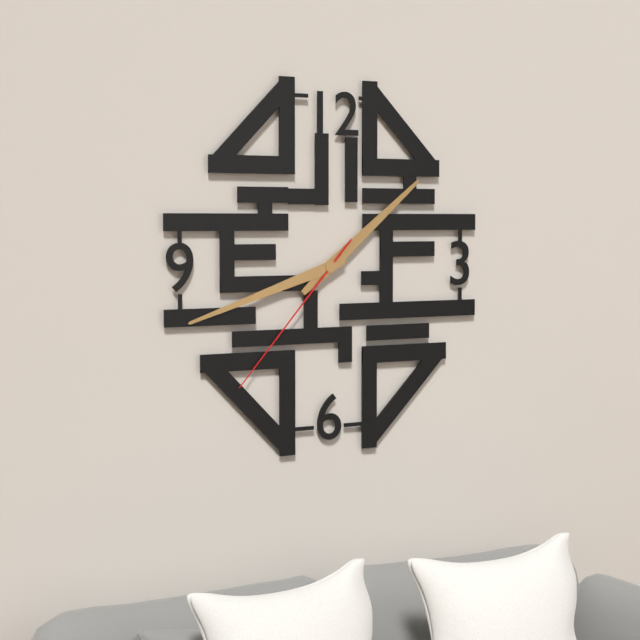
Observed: 1 h 42 min 37 s
